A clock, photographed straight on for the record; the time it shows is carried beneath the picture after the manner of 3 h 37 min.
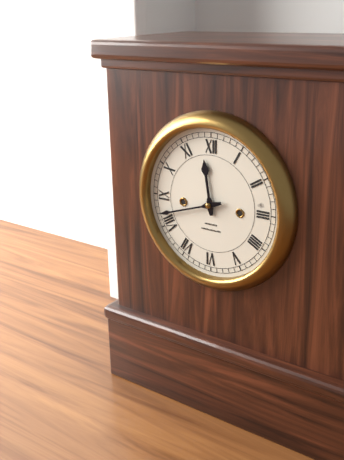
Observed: 11 h 42 min
